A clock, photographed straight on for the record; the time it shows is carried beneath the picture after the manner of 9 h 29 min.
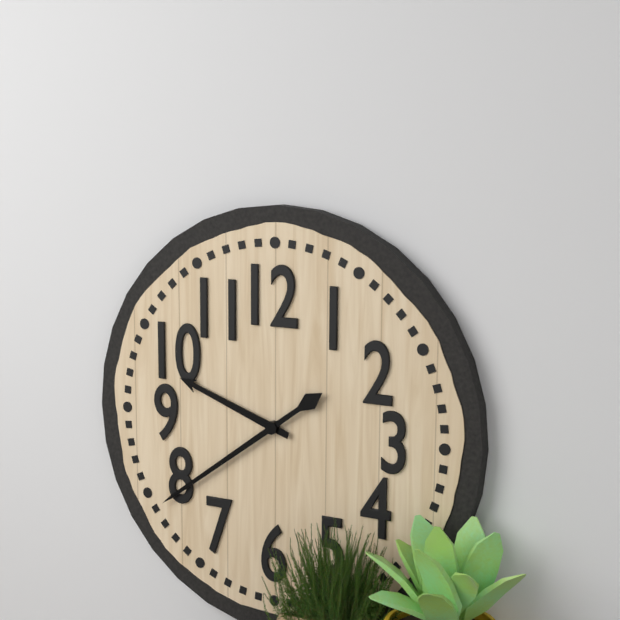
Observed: 9 h 39 min
